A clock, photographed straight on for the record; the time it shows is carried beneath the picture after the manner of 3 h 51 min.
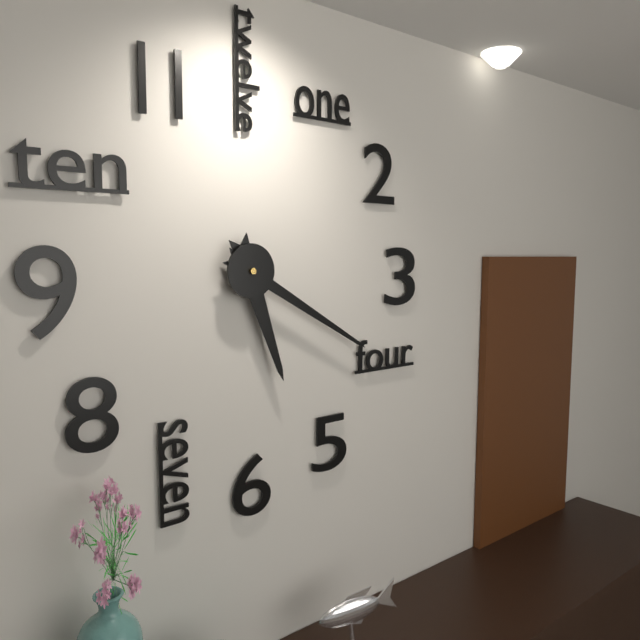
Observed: 5 h 20 min
